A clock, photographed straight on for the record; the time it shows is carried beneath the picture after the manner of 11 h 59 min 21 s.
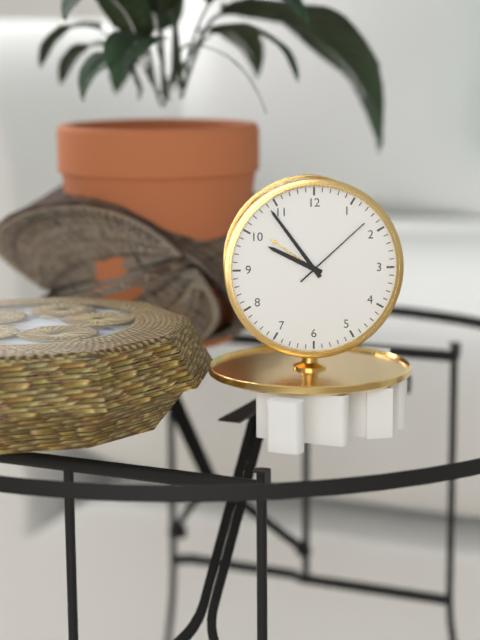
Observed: 9 h 54 min 08 s
